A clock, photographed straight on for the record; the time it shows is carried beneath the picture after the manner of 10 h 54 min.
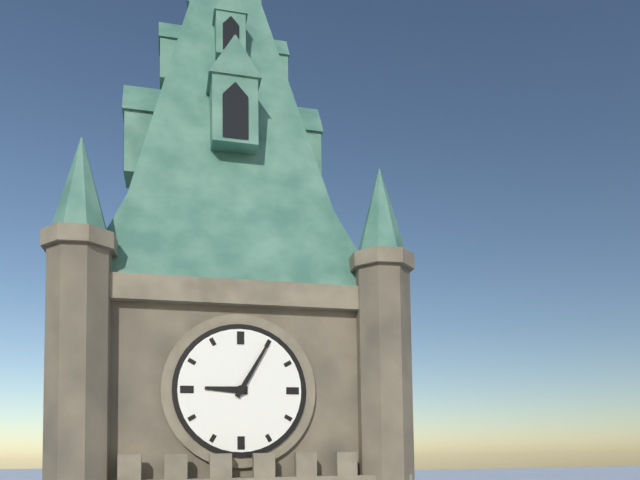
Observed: 9 h 05 min
